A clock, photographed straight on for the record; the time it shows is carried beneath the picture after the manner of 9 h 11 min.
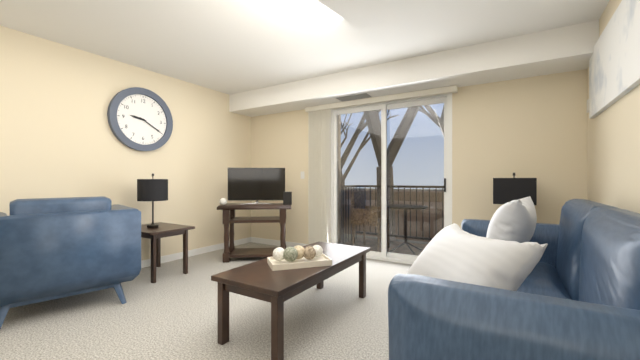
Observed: 9 h 20 min
